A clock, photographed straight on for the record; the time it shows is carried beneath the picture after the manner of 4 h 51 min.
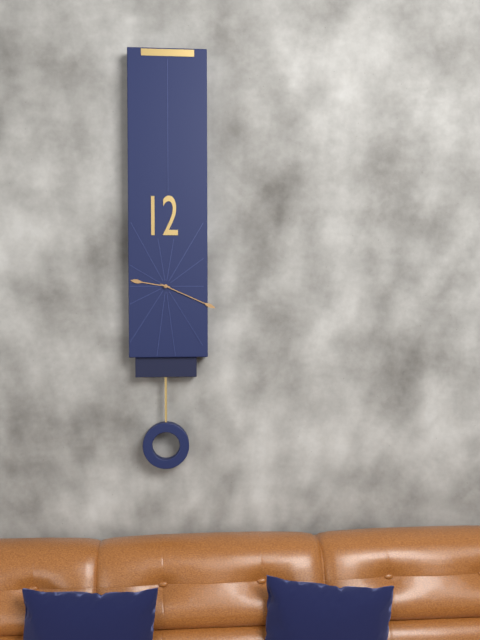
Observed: 9 h 19 min
